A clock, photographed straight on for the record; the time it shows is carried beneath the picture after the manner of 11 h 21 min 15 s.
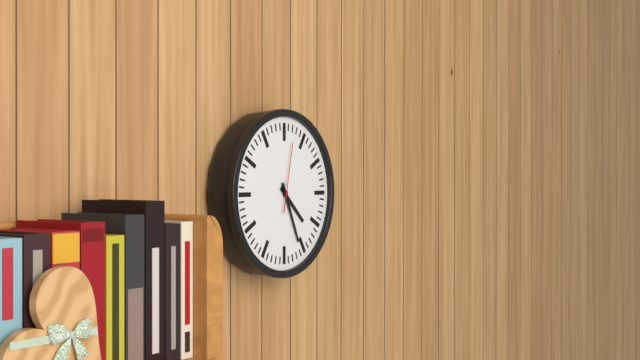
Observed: 4 h 26 min 02 s
